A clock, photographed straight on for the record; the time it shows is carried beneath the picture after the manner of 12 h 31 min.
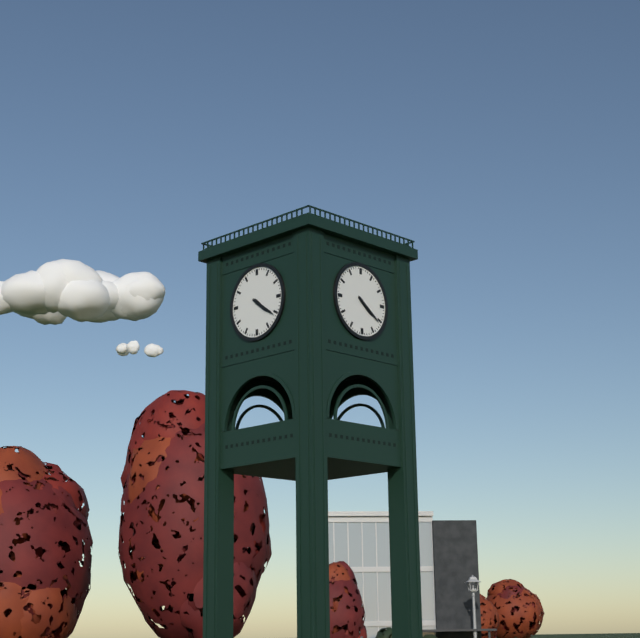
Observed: 4 h 21 min
